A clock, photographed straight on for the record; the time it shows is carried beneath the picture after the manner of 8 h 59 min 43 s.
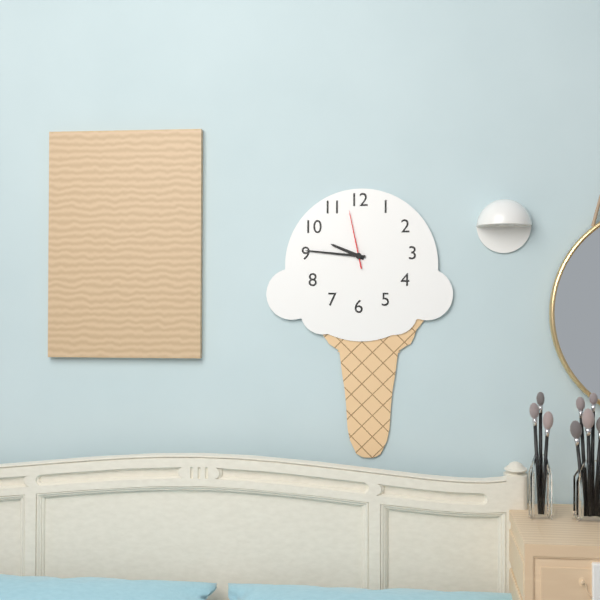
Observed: 9 h 46 min 58 s
